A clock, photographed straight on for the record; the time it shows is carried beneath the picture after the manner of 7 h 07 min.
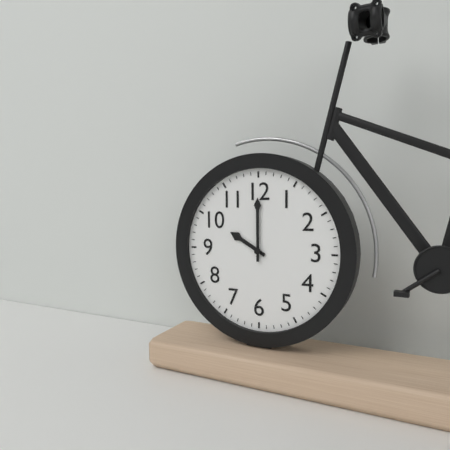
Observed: 10 h 00 min
